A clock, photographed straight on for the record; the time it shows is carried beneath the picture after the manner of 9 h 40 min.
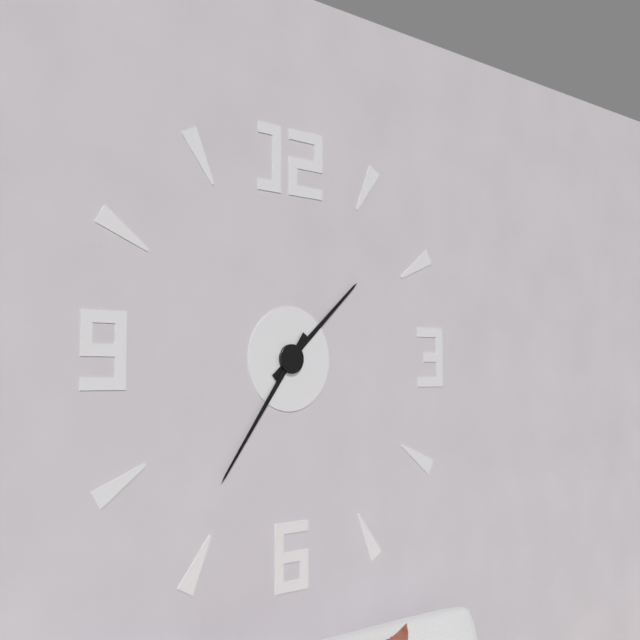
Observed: 1 h 36 min
